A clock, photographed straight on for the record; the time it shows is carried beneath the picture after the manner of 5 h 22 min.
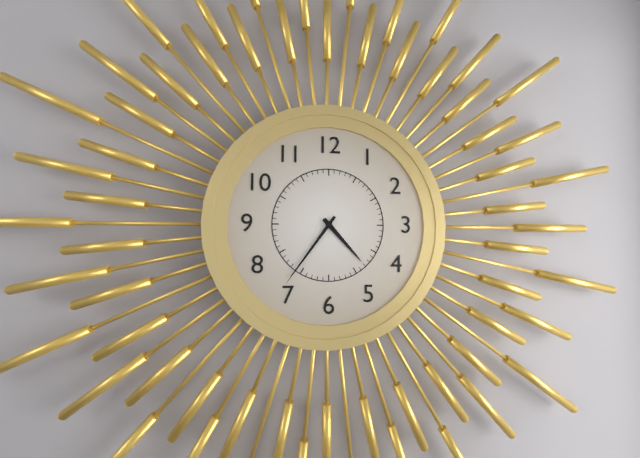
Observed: 4 h 36 min
